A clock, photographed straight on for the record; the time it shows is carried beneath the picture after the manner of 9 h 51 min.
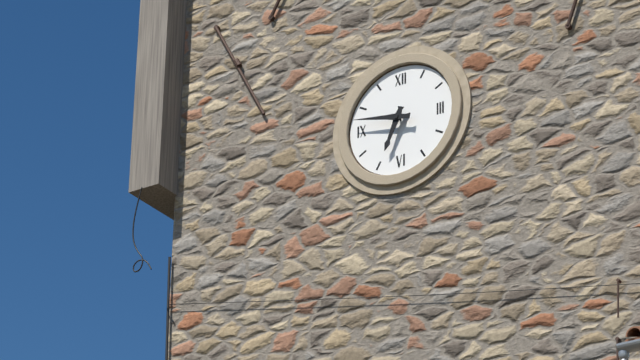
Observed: 6 h 47 min
